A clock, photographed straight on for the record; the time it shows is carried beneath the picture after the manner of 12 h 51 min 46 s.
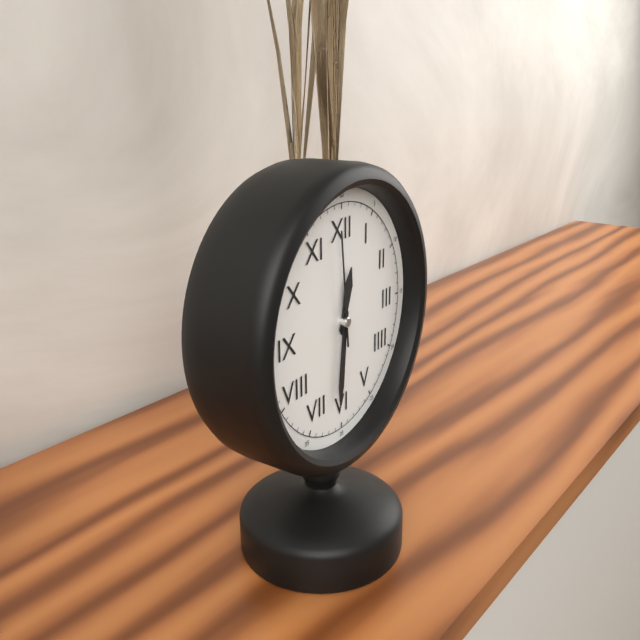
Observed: 12 h 31 min 59 s
